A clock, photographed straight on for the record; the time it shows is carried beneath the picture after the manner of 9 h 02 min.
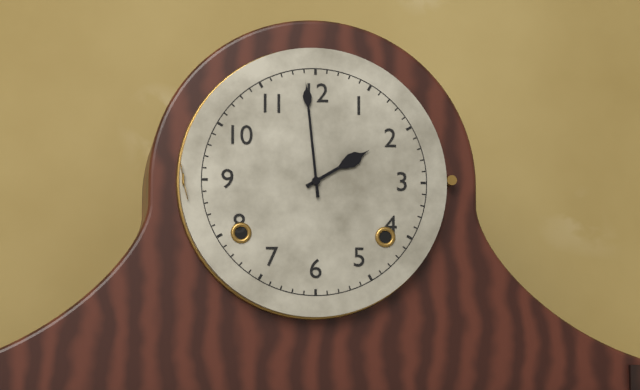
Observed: 1 h 59 min
